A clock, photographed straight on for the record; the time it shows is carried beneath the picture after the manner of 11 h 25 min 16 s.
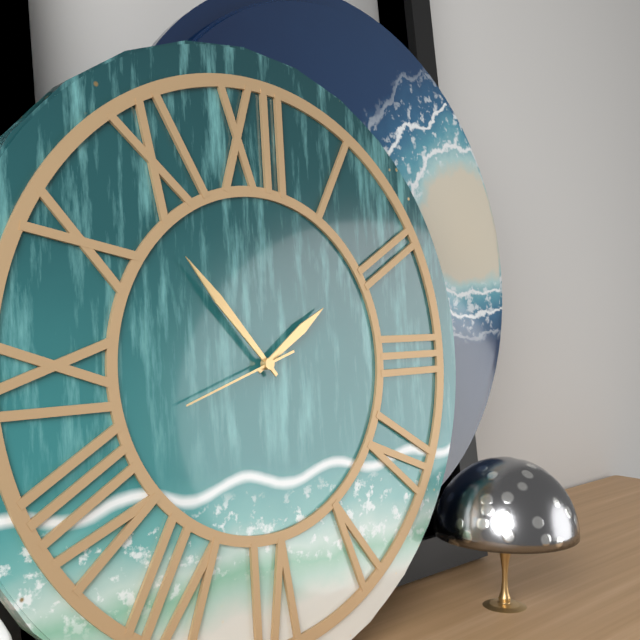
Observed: 1 h 53 min 42 s
